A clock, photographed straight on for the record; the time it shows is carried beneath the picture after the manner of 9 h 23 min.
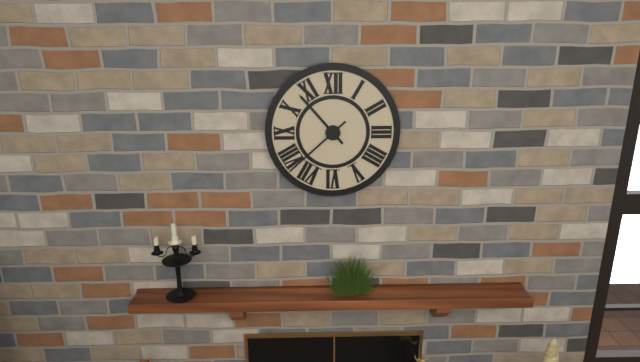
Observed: 10 h 38 min
